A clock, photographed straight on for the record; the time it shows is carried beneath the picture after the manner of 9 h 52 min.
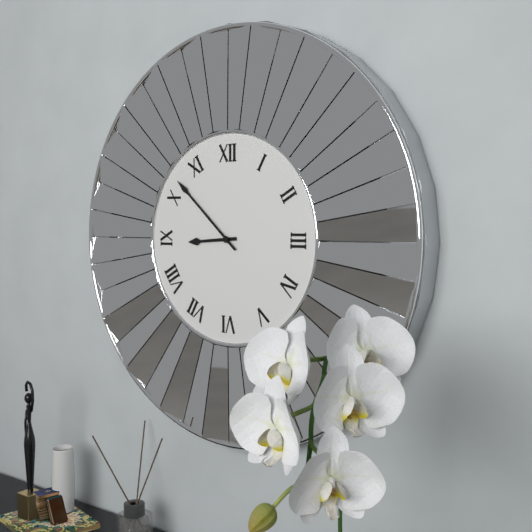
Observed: 8 h 52 min
